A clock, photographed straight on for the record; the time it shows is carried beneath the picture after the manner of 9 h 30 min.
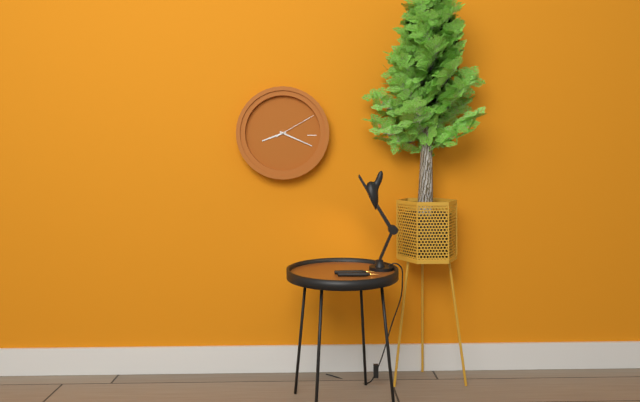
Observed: 8 h 19 min
